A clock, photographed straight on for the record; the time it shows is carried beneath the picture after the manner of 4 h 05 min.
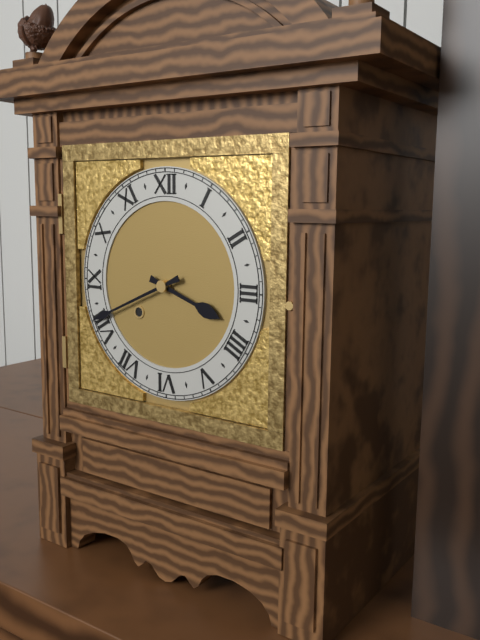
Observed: 3 h 41 min
